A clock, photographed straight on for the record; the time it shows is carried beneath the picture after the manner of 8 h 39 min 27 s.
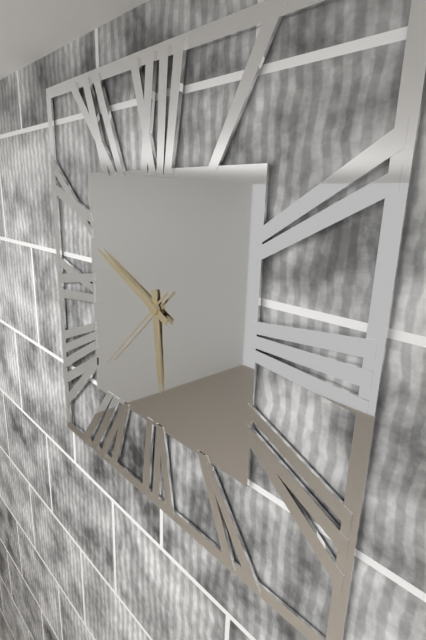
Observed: 5 h 49 min 38 s
